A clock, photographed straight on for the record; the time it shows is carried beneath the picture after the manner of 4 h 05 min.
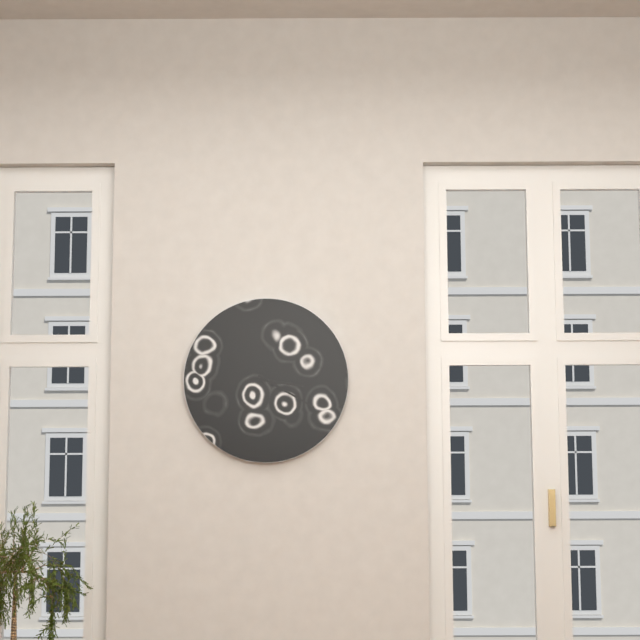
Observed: 3 h 20 min
